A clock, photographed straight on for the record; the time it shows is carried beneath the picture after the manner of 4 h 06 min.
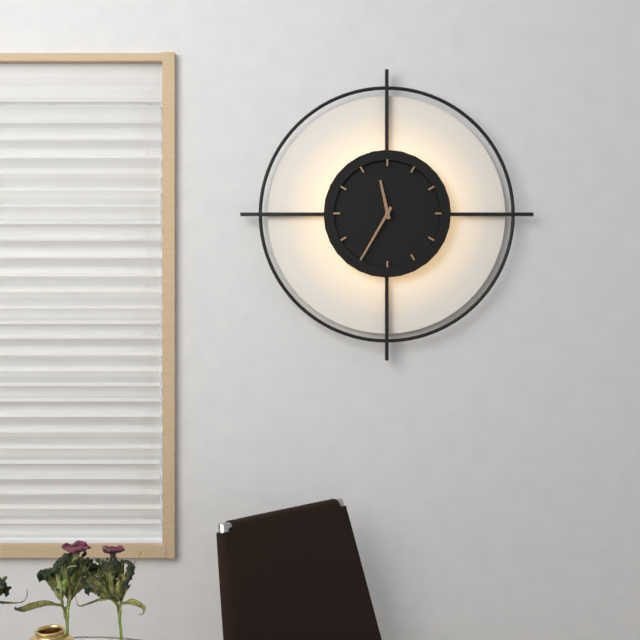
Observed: 11 h 35 min
